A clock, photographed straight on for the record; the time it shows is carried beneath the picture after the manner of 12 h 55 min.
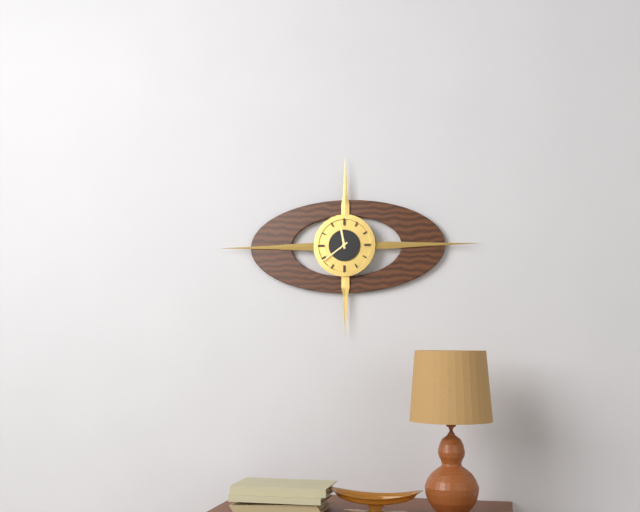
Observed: 11 h 39 min
